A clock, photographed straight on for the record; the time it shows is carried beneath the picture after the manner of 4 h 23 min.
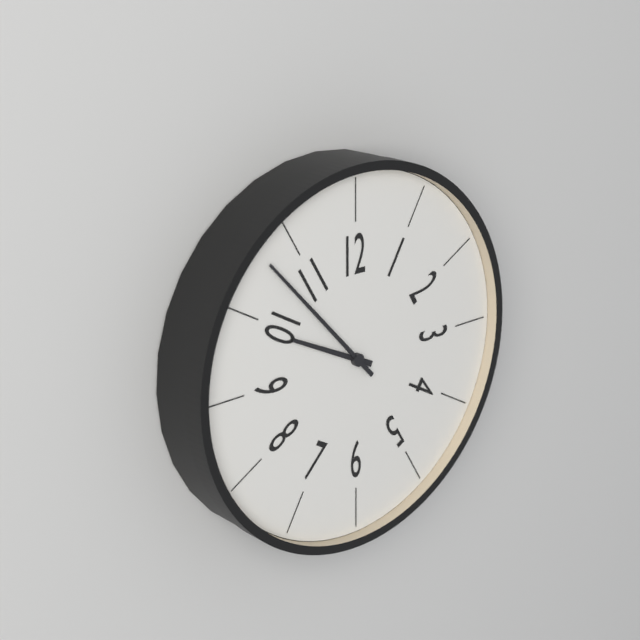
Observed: 9 h 53 min
